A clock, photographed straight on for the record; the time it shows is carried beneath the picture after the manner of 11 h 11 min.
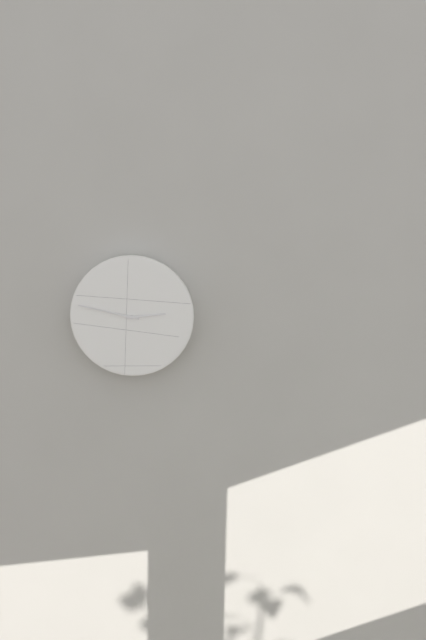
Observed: 2 h 47 min
